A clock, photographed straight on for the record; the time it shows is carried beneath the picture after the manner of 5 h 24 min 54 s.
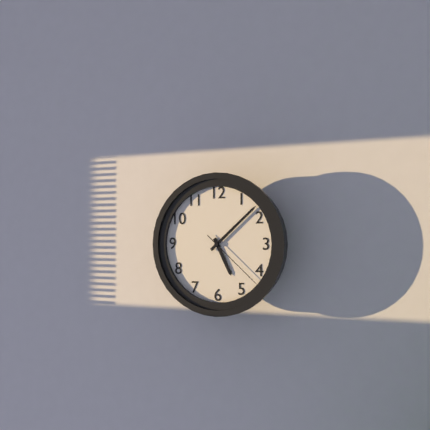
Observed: 5 h 08 min 22 s
